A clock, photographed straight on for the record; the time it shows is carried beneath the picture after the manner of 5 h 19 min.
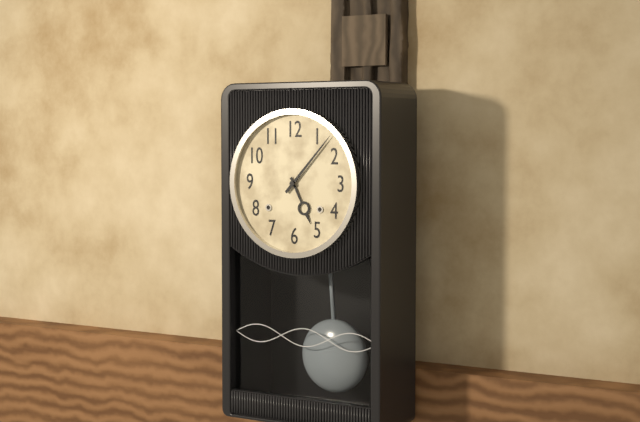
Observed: 5 h 07 min
